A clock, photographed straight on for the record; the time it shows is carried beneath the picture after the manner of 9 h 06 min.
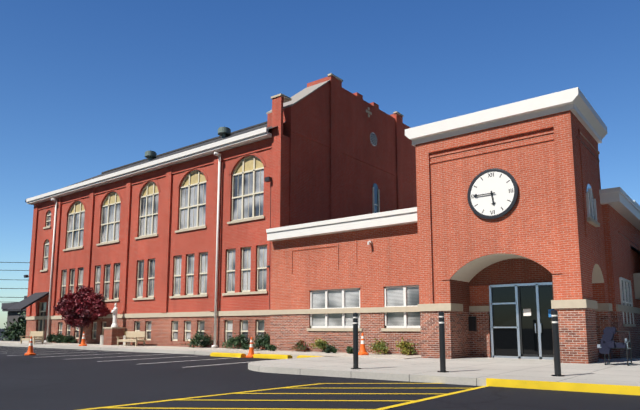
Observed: 5 h 45 min
